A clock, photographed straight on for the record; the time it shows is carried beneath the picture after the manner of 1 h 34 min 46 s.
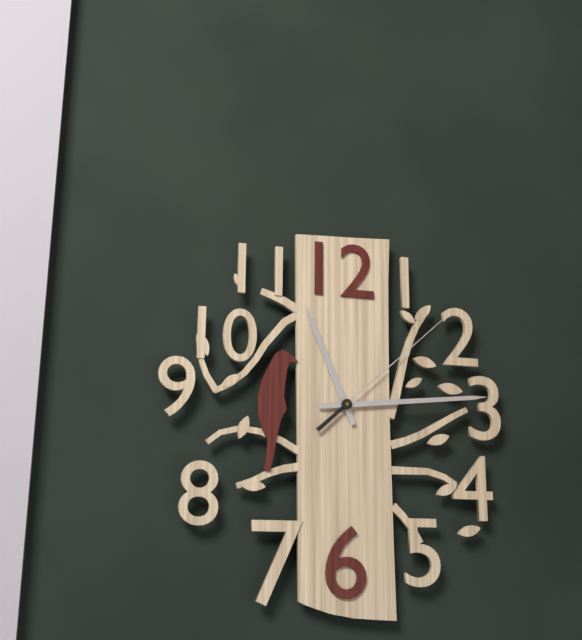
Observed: 11 h 14 min 08 s
